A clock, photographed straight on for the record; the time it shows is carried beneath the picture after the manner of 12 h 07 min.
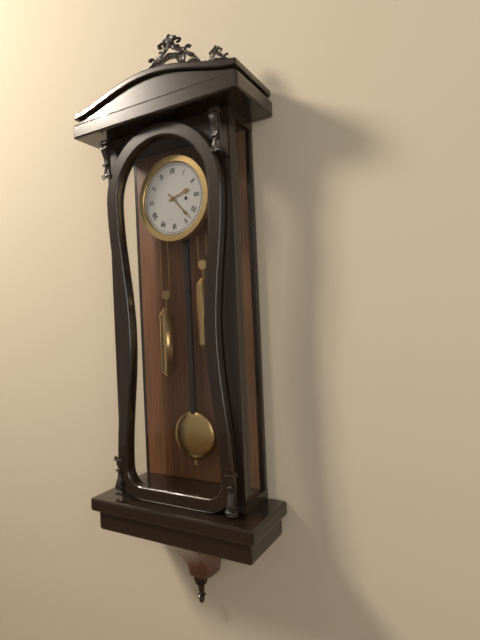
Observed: 2 h 23 min
